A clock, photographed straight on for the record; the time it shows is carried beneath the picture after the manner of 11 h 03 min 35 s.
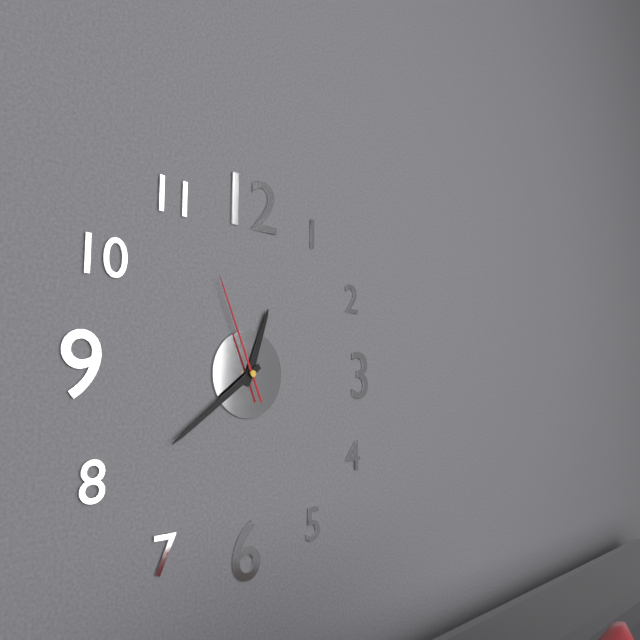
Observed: 12 h 39 min 56 s
